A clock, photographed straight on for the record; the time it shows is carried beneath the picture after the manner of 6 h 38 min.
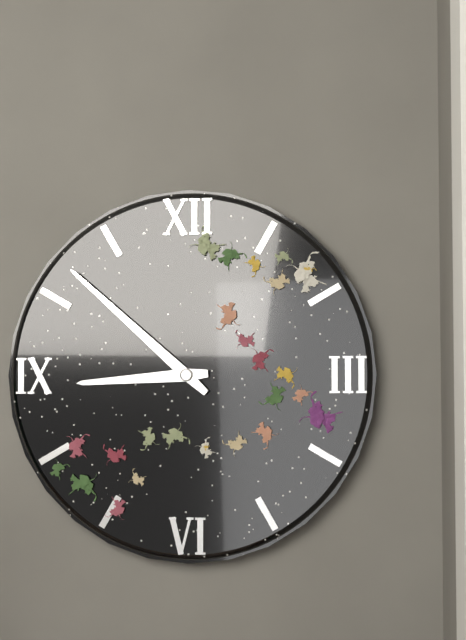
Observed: 8 h 52 min
